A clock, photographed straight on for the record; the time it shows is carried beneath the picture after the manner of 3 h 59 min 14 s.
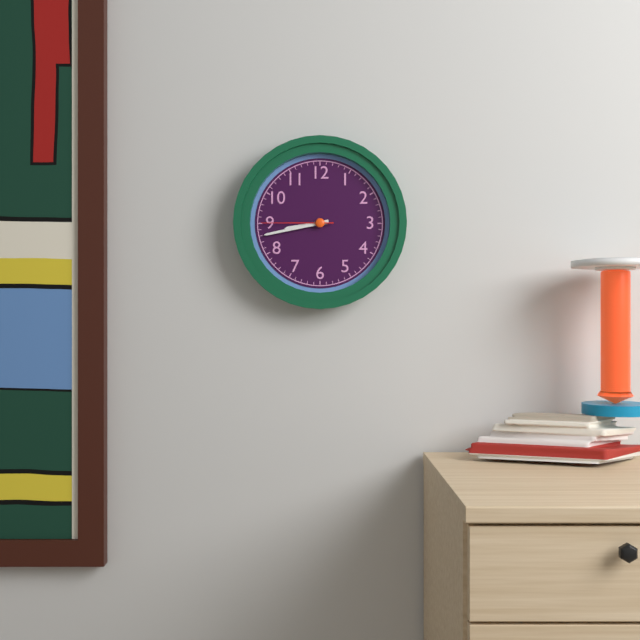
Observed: 8 h 43 min 45 s
